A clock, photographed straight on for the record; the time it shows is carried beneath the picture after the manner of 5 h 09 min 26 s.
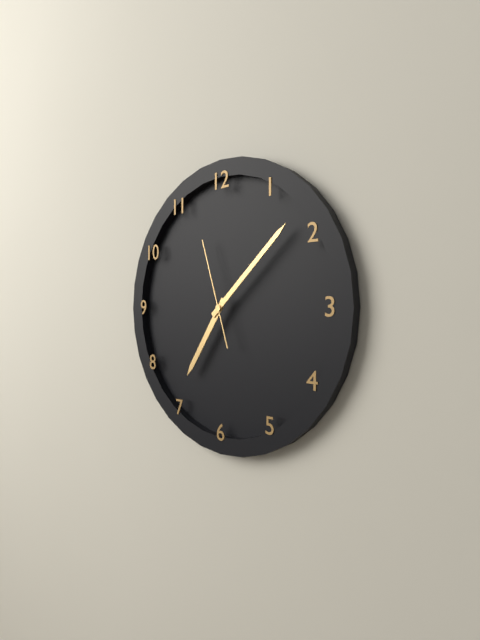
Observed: 7 h 08 min 57 s
